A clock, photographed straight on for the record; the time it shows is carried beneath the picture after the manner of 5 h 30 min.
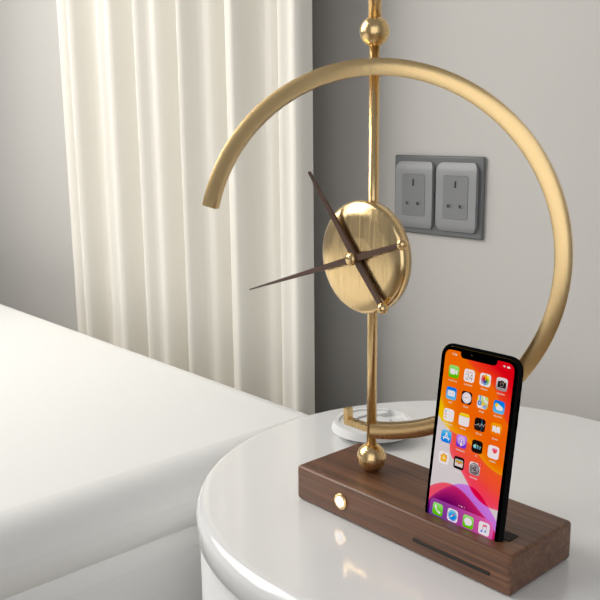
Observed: 10 h 42 min
